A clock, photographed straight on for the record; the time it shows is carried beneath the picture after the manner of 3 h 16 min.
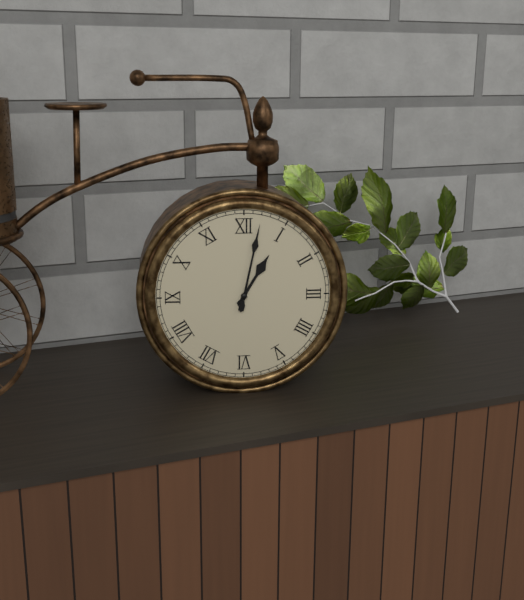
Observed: 1 h 02 min
